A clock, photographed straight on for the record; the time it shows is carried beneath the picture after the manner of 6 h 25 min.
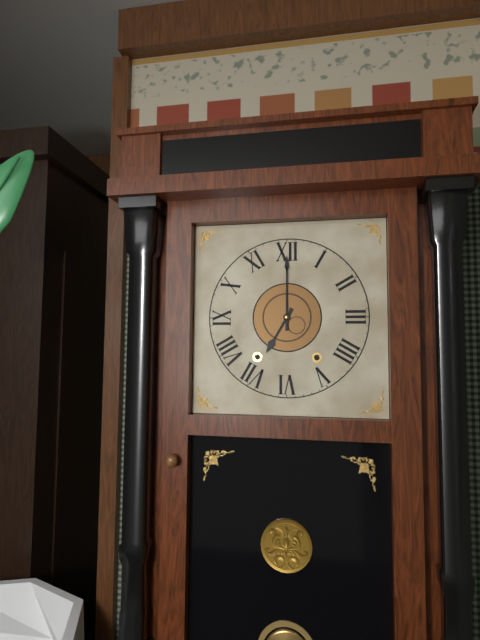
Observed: 7 h 00 min
